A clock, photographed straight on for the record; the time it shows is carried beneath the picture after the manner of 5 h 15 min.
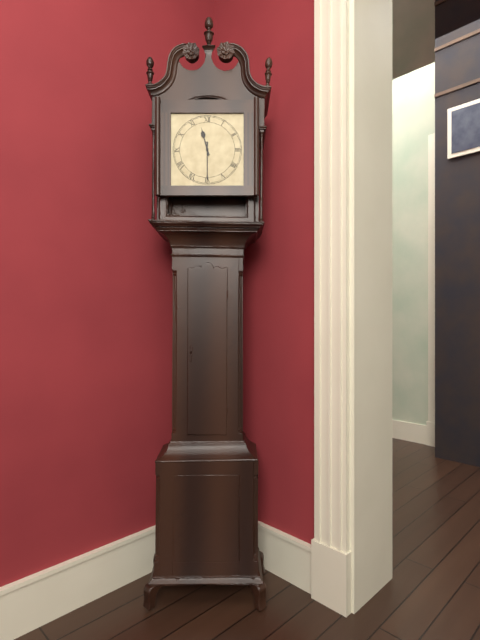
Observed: 11 h 30 min
